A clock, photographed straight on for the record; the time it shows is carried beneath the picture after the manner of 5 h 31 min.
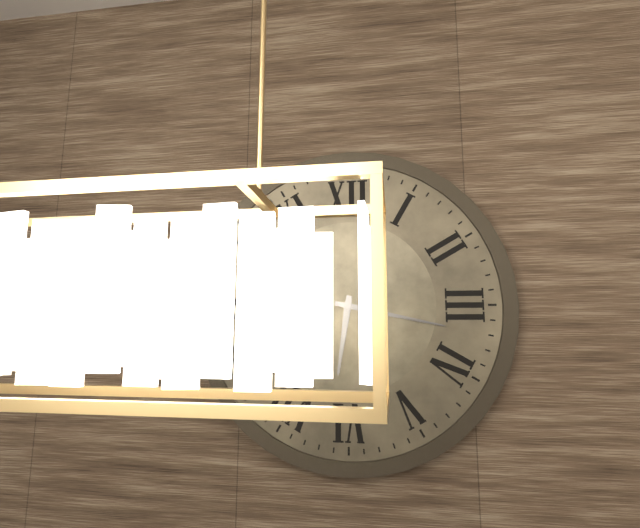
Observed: 6 h 17 min
